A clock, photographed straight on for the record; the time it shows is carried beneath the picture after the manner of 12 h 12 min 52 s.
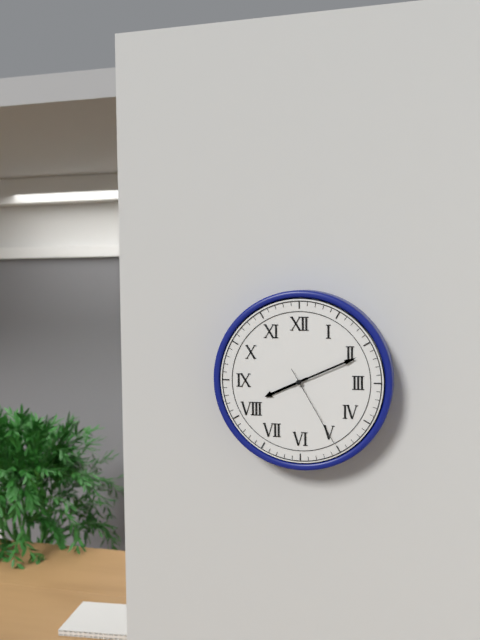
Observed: 8 h 11 min 25 s
